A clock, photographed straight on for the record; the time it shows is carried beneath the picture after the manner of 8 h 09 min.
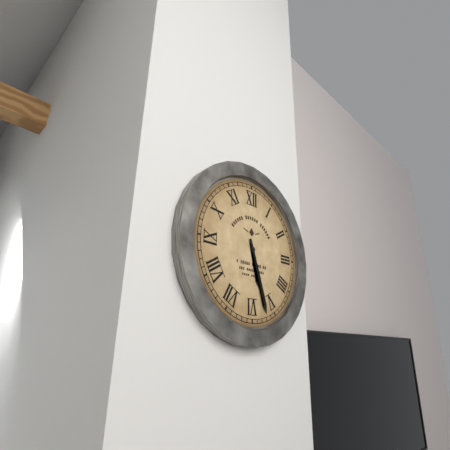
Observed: 5 h 27 min
